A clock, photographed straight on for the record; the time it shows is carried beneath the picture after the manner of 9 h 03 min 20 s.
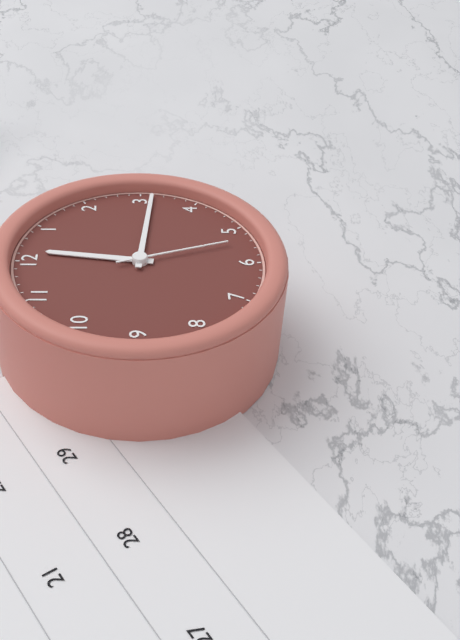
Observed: 12 h 16 min 27 s
